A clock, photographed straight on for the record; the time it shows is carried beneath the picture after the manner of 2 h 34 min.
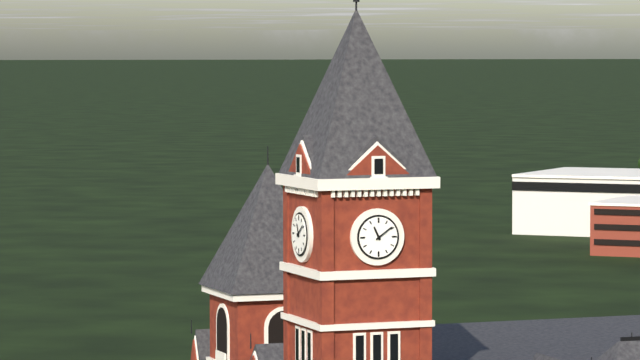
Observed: 11 h 09 min
